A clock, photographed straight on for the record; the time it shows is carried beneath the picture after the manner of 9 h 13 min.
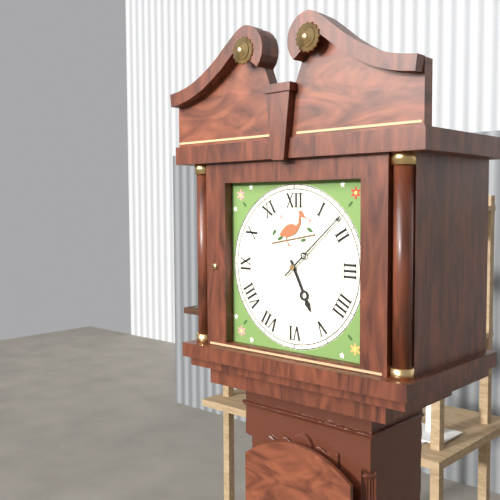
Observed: 5 h 08 min
